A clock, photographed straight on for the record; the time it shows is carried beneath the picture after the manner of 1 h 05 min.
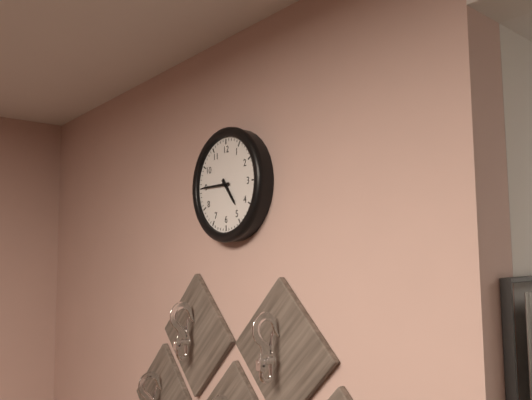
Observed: 4 h 45 min
